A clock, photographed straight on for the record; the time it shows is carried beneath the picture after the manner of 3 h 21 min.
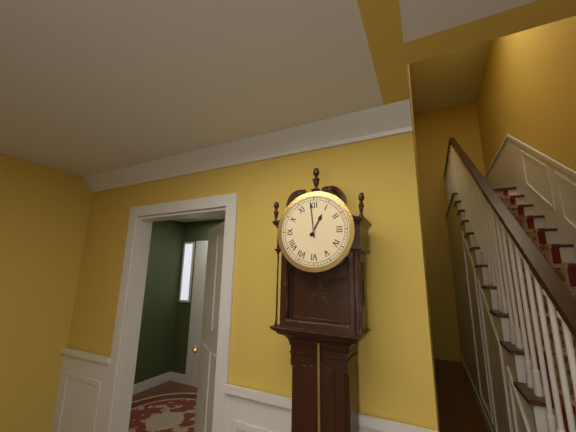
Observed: 12 h 59 min
